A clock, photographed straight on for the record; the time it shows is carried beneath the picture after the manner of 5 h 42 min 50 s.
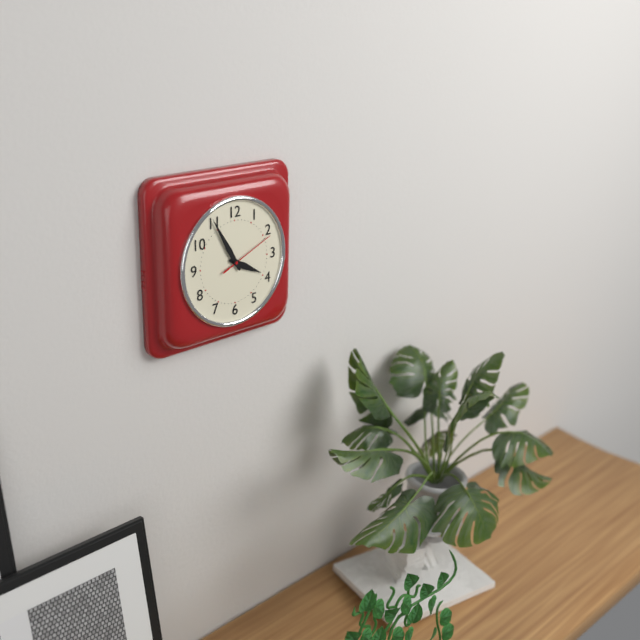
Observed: 3 h 55 min 11 s
